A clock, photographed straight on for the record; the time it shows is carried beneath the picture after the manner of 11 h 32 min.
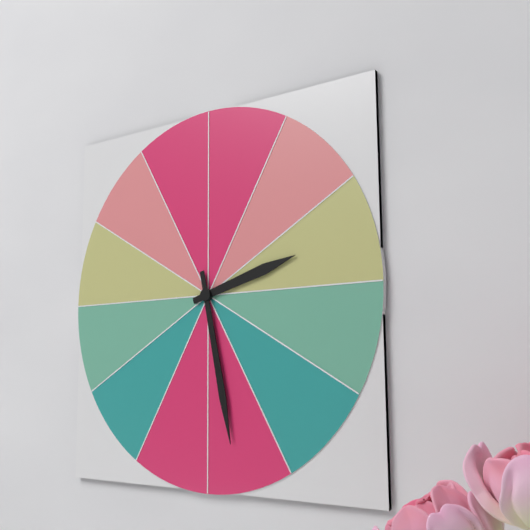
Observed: 2 h 28 min
